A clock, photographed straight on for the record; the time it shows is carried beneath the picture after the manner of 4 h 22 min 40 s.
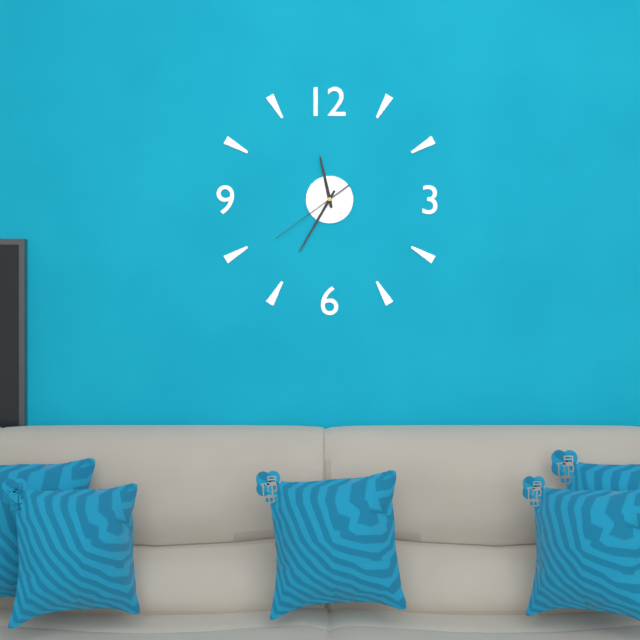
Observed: 11 h 35 min 39 s
